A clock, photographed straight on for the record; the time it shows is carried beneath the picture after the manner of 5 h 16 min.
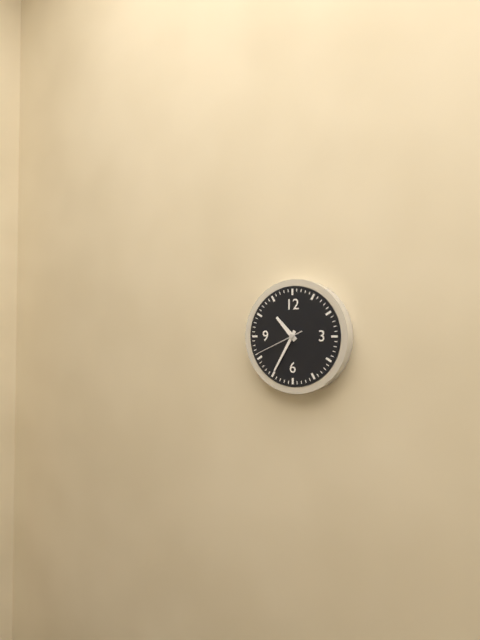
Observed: 10 h 35 min
